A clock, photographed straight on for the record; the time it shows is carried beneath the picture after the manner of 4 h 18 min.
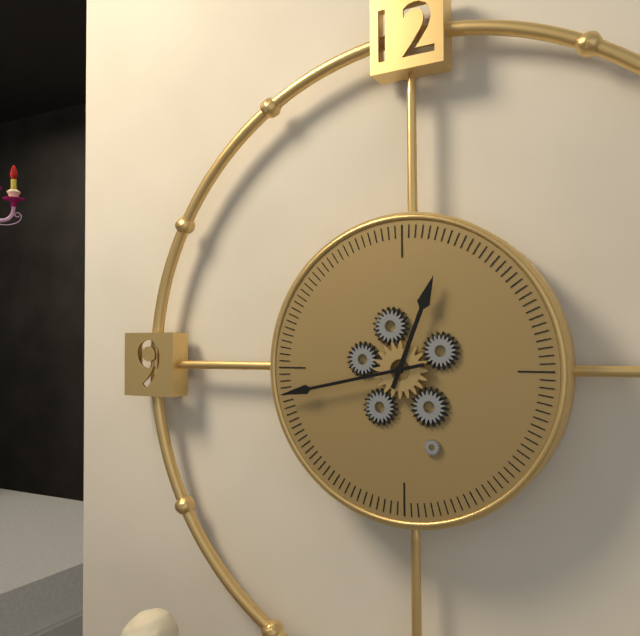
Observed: 12 h 43 min
